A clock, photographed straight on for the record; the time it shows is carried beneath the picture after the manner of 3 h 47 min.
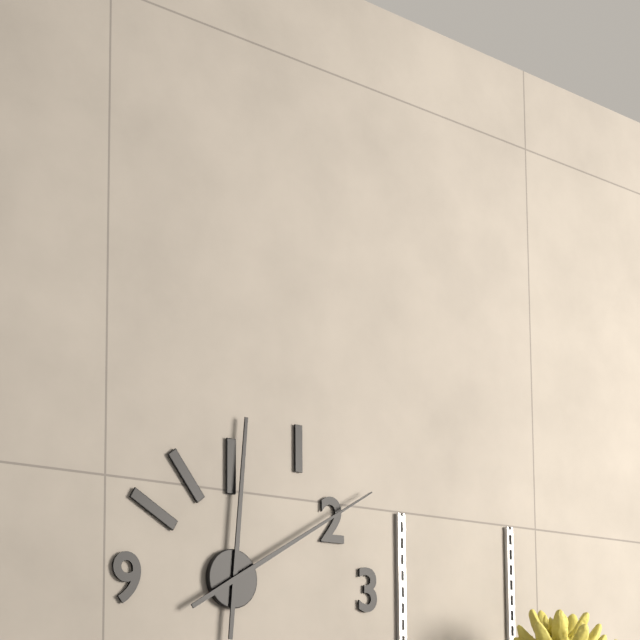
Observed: 12 h 10 min
